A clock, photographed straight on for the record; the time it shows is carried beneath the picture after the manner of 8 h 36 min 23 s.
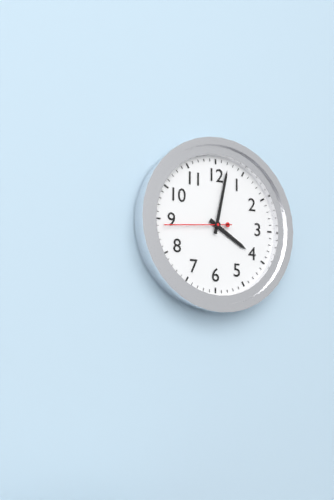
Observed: 4 h 02 min 44 s
